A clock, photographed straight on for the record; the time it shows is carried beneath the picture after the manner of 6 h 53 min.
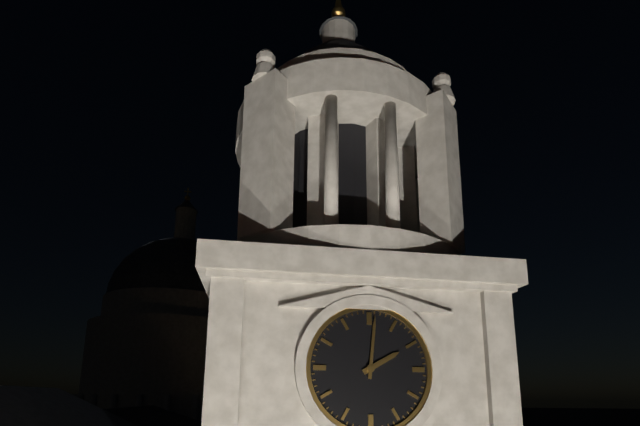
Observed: 2 h 01 min
